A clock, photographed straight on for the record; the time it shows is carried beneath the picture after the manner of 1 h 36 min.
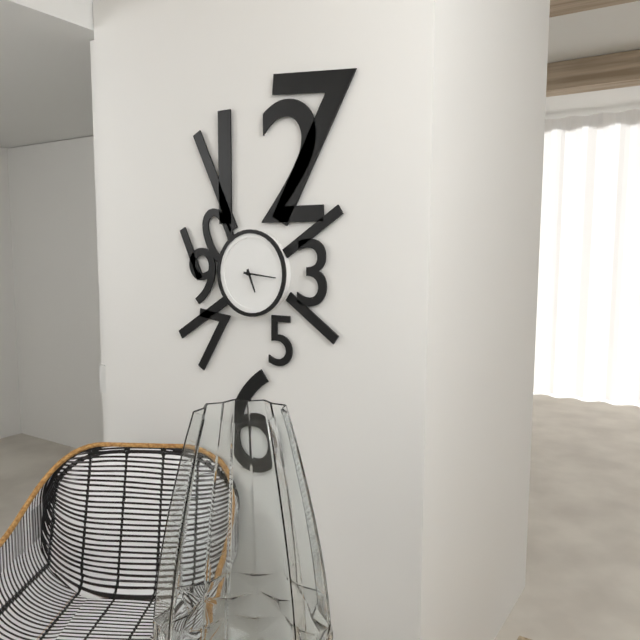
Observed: 5 h 16 min
